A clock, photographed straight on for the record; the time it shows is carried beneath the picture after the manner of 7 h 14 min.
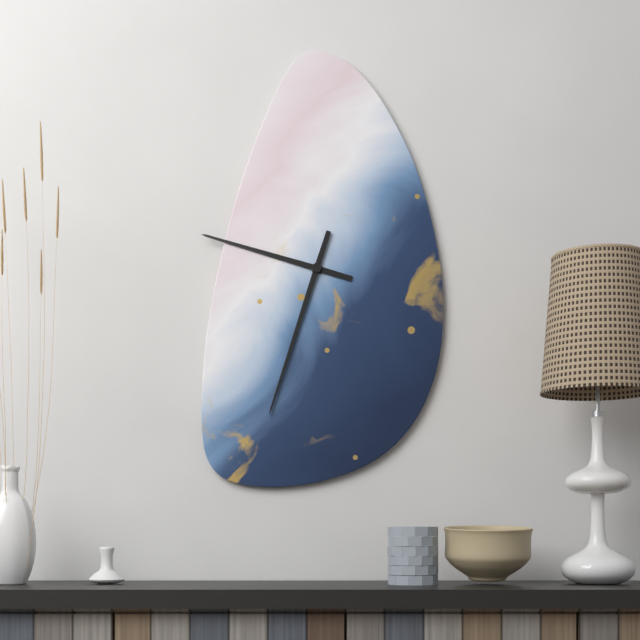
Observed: 9 h 33 min
